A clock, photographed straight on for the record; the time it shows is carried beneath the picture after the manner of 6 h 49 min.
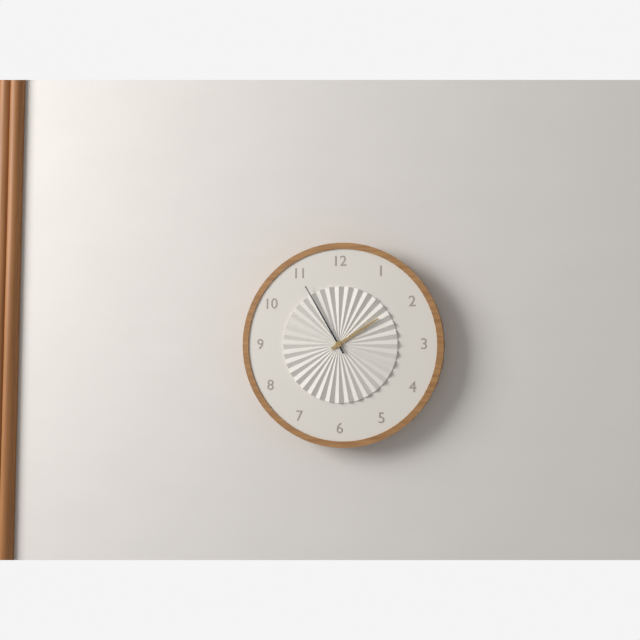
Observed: 1 h 55 min
